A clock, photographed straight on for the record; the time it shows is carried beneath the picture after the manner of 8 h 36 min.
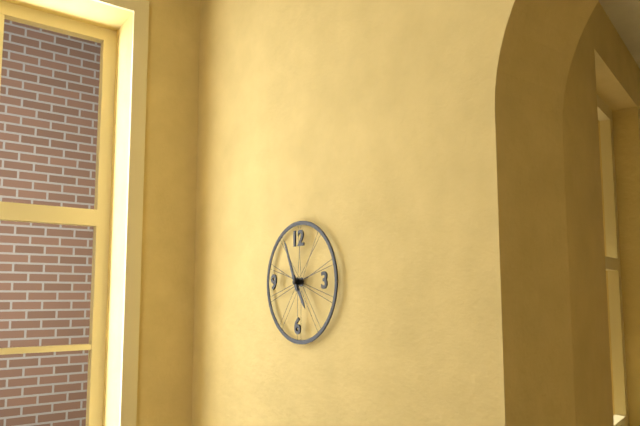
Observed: 4 h 56 min
